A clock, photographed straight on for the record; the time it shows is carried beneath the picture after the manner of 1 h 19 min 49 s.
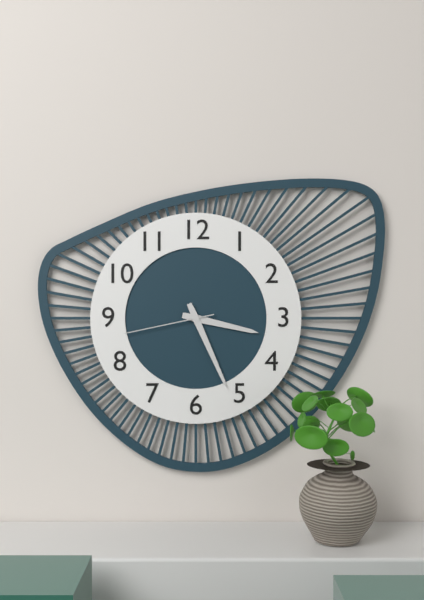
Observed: 3 h 26 min 43 s
